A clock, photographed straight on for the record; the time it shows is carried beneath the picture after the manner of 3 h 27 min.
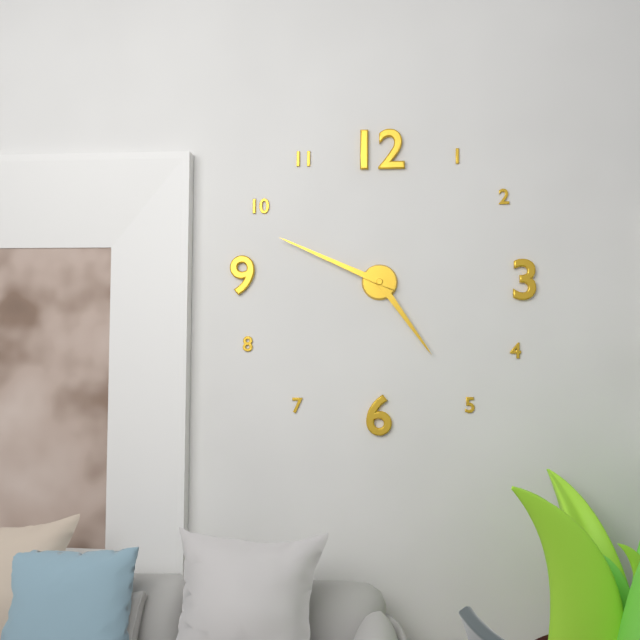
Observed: 4 h 49 min
